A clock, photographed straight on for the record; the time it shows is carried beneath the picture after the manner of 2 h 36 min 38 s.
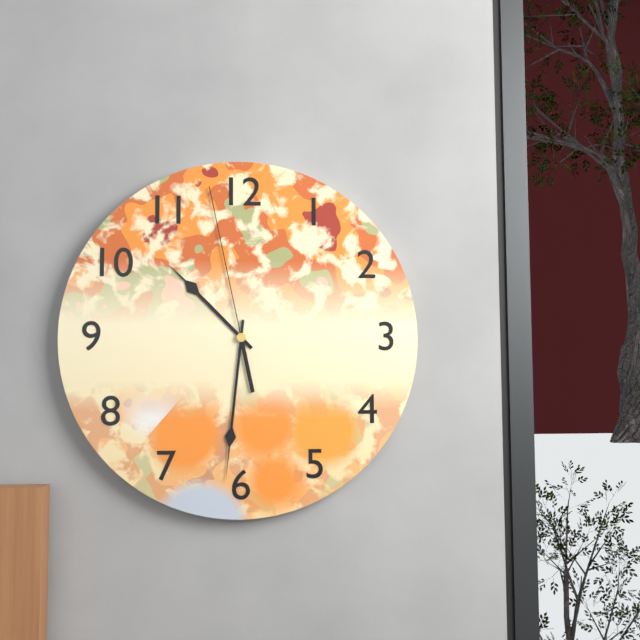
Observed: 10 h 31 min 58 s
